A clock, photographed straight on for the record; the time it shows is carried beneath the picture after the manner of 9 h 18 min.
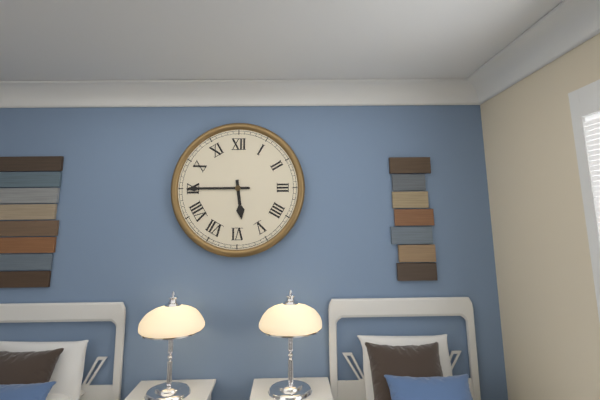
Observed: 5 h 45 min
